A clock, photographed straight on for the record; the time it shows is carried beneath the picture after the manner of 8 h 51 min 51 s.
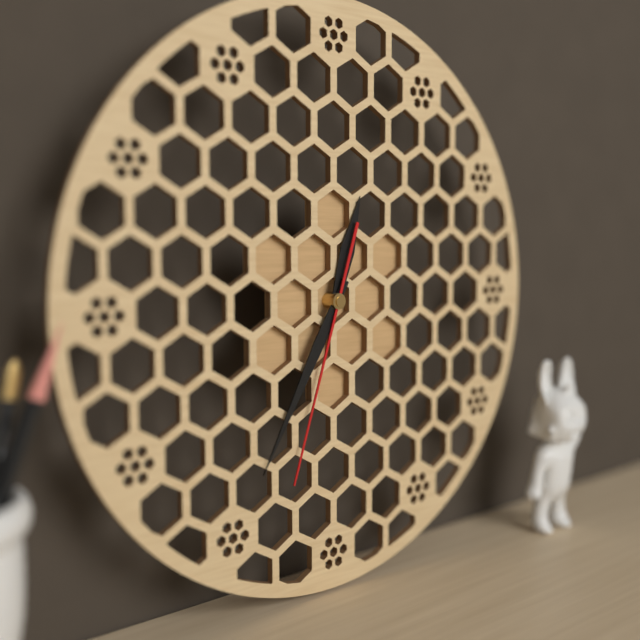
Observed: 12 h 35 min 33 s
